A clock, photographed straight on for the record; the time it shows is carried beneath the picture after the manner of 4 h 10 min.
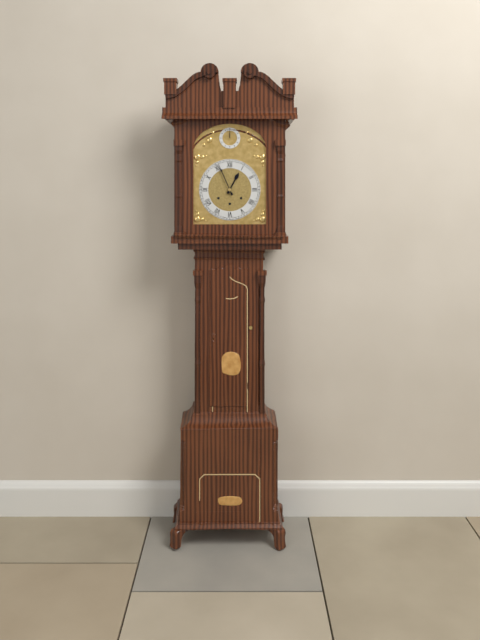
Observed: 12 h 56 min
